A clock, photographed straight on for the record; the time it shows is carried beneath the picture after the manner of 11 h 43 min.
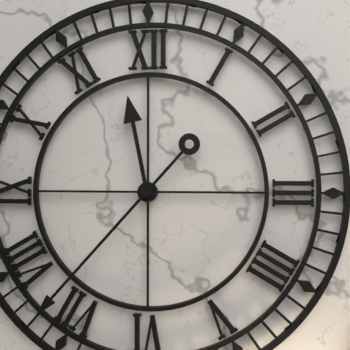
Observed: 11 h 37 min
